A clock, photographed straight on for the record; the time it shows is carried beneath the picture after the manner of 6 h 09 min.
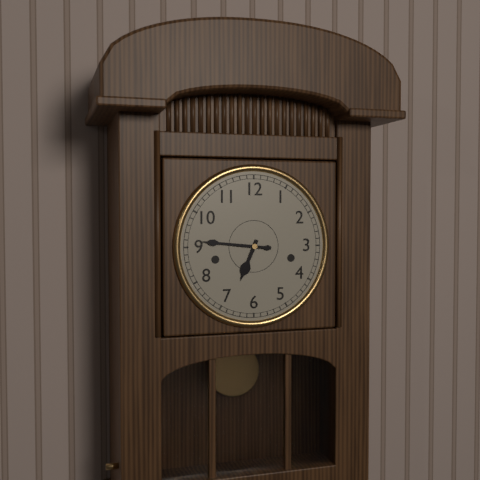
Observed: 6 h 46 min
